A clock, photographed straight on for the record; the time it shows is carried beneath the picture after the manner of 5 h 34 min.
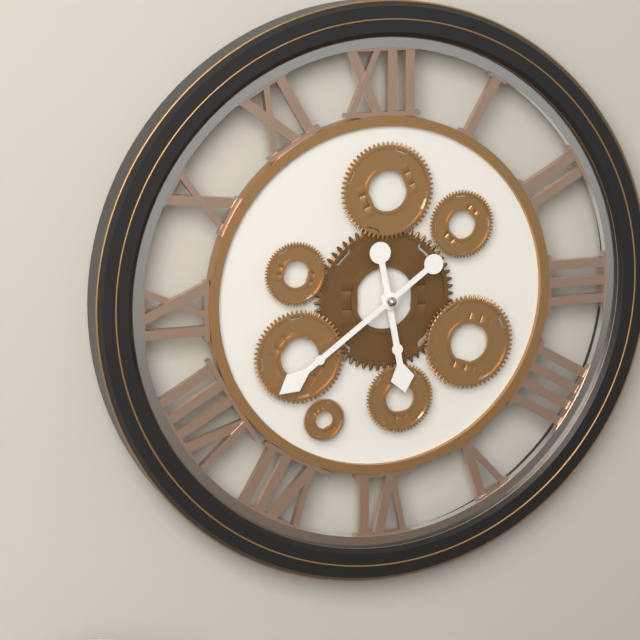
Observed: 5 h 39 min
